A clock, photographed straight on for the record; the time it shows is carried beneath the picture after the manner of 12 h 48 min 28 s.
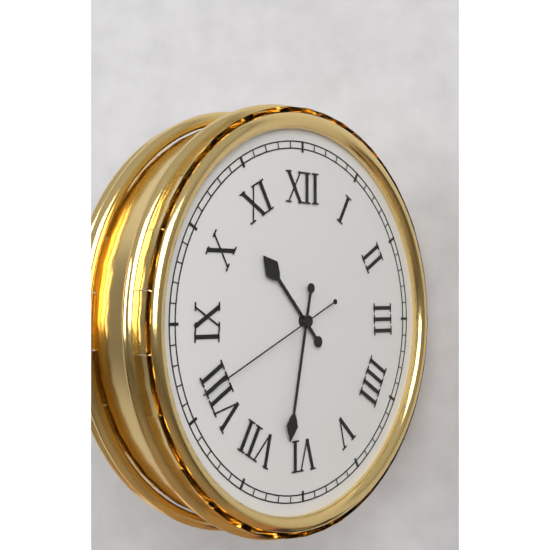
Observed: 10 h 32 min 41 s
